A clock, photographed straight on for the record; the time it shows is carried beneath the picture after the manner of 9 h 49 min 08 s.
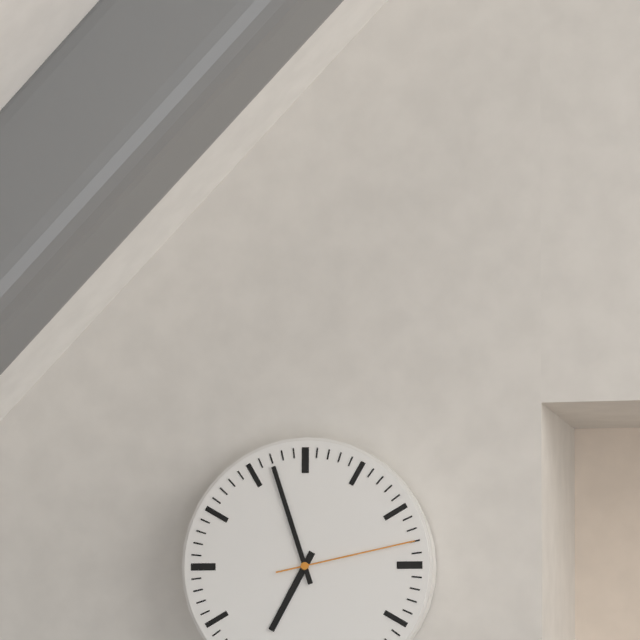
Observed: 6 h 57 min 13 s
